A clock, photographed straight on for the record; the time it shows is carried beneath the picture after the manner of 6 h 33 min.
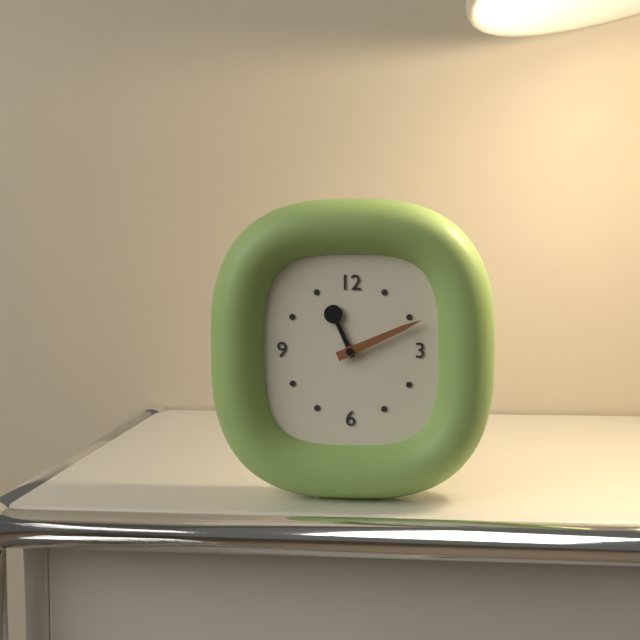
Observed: 11 h 11 min
